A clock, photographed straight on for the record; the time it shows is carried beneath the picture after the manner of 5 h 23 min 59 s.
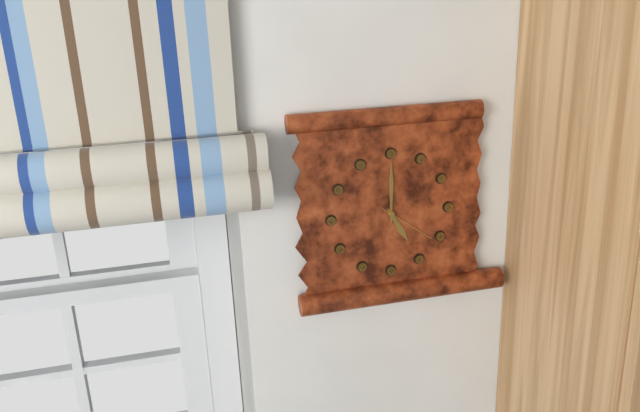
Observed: 5 h 00 min 21 s
